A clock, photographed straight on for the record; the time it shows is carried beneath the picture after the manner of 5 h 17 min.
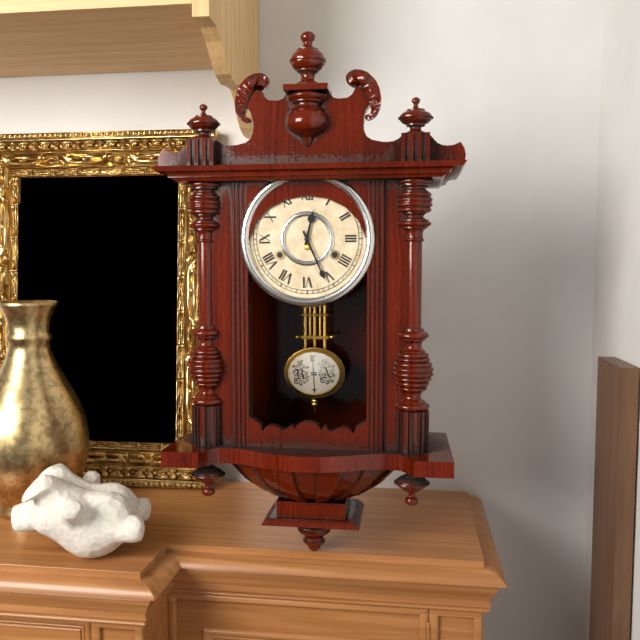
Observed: 12 h 26 min
